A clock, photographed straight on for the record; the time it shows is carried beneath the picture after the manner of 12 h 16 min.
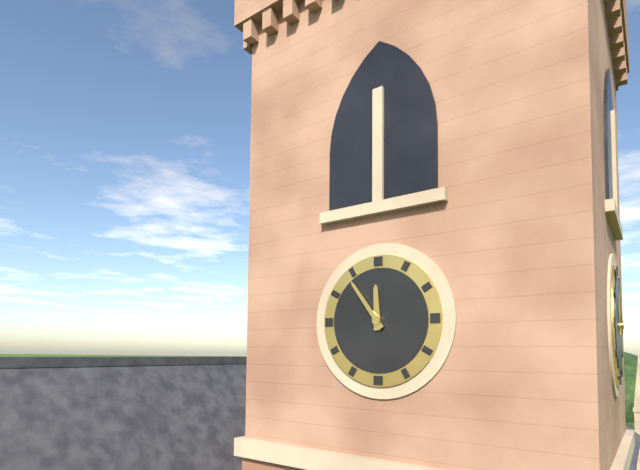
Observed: 11 h 54 min
